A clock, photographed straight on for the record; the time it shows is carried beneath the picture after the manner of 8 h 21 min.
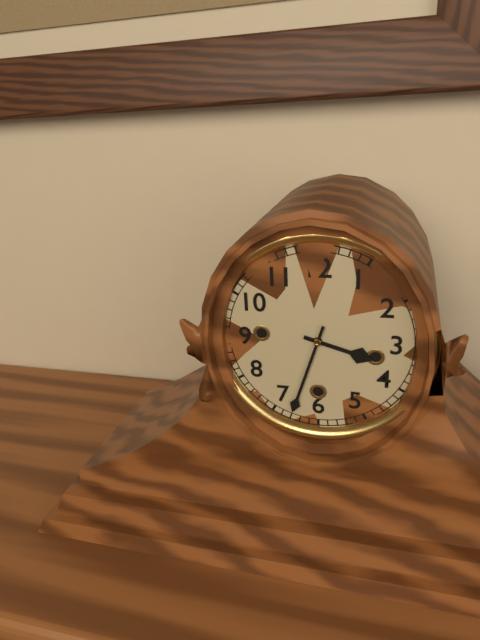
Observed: 3 h 33 min
